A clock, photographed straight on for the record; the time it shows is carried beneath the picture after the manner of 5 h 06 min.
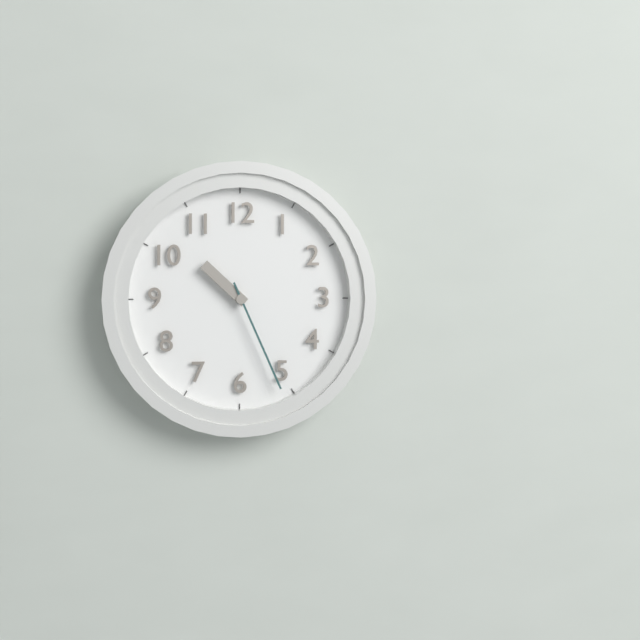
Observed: 10 h 26 min
